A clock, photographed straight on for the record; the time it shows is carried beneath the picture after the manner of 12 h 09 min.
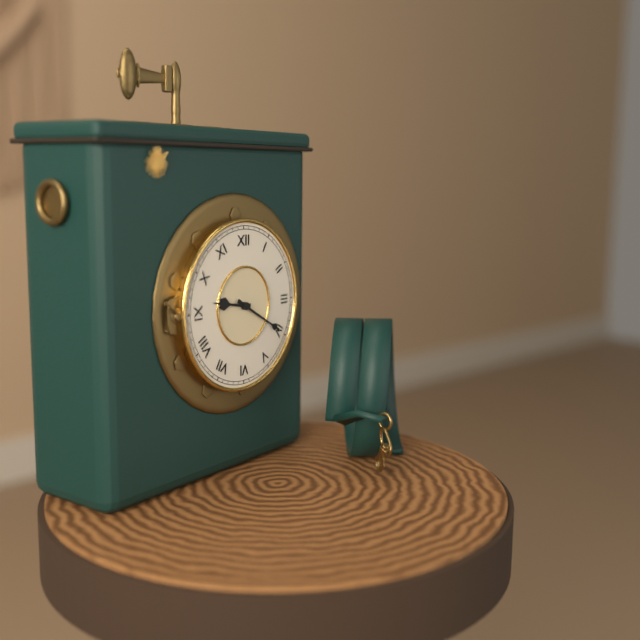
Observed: 9 h 20 min
